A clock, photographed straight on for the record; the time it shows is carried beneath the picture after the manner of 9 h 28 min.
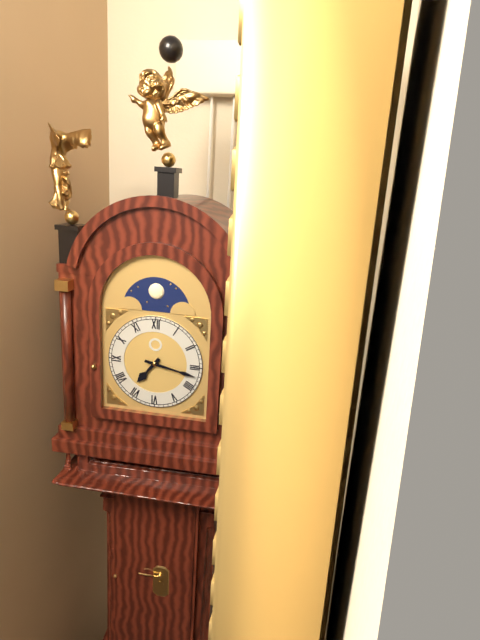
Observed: 7 h 17 min
